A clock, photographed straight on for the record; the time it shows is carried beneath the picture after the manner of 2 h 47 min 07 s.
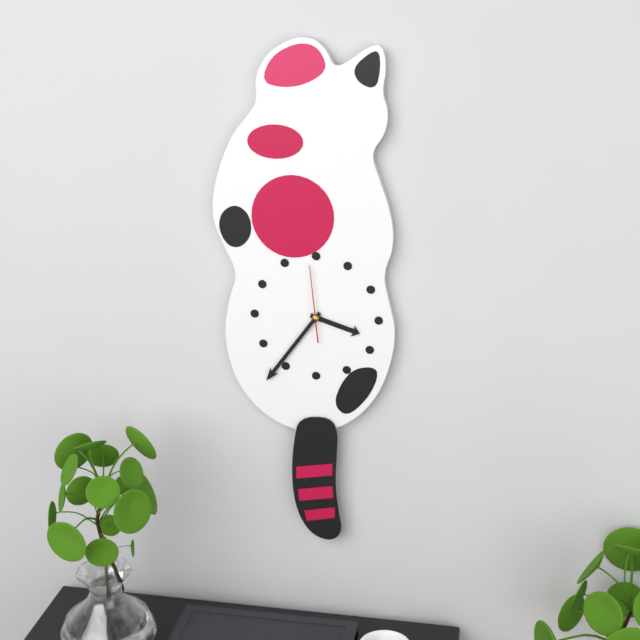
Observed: 3 h 36 min 59 s
